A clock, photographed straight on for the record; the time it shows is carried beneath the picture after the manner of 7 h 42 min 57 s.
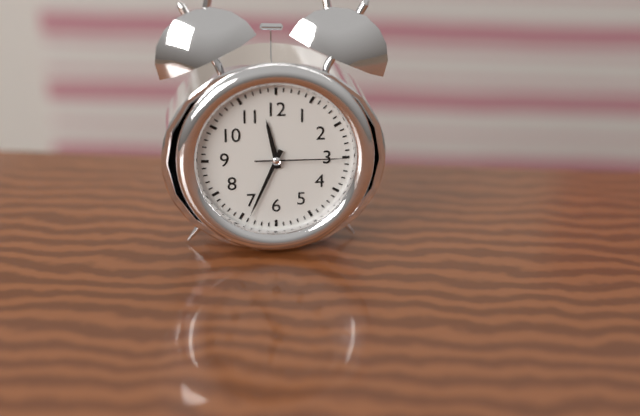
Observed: 11 h 34 min 15 s
